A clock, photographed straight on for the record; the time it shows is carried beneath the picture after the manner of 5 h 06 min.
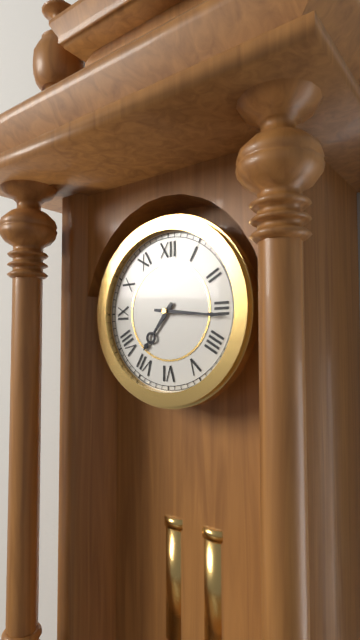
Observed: 7 h 16 min
